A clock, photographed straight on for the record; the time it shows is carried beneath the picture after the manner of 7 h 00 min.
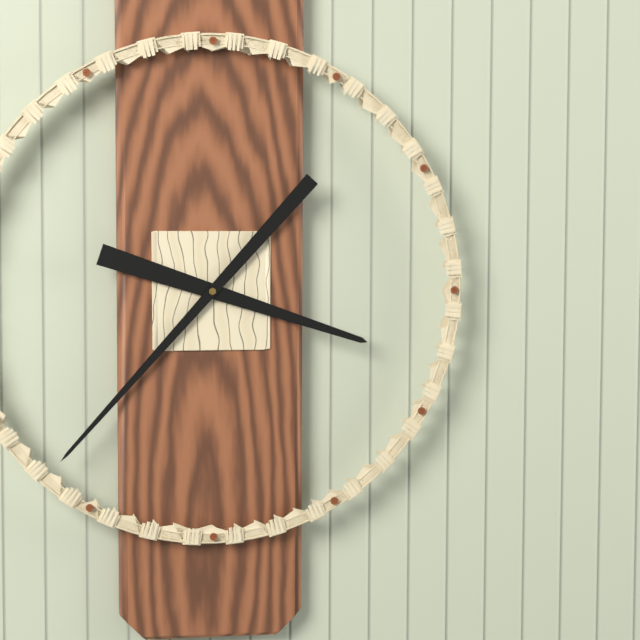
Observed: 3 h 37 min
